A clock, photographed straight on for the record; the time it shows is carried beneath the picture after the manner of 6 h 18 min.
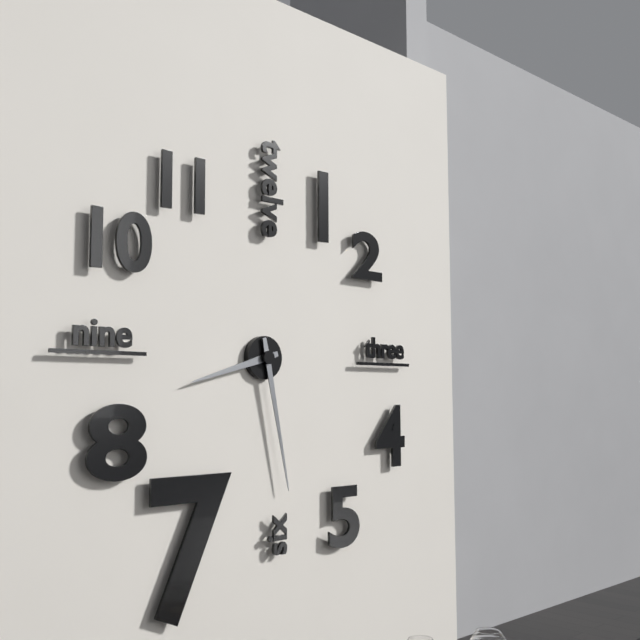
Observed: 8 h 28 min
